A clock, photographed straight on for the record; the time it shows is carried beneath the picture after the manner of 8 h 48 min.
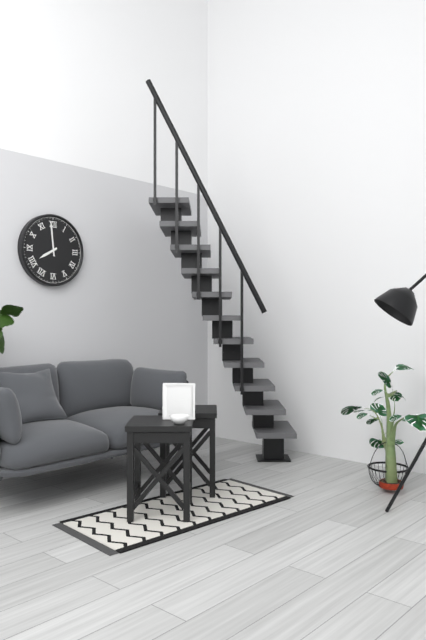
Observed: 7 h 59 min
